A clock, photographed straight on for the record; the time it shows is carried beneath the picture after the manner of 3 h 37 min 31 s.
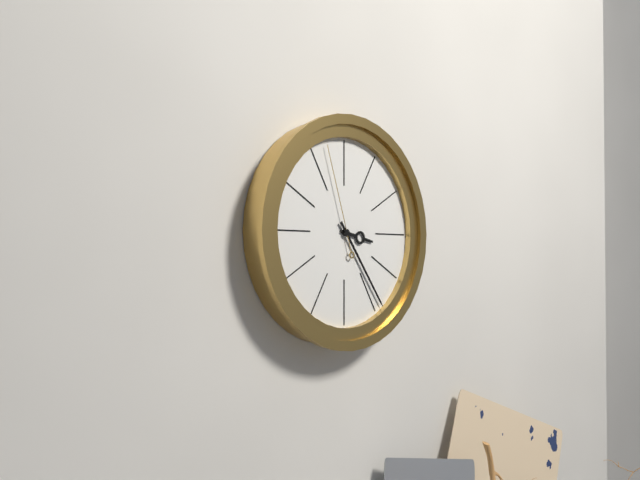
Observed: 3 h 24 min 57 s
